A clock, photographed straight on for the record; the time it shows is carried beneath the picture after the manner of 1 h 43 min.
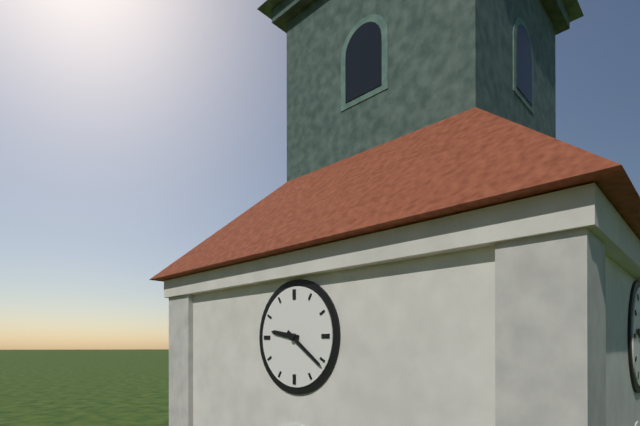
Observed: 9 h 21 min
